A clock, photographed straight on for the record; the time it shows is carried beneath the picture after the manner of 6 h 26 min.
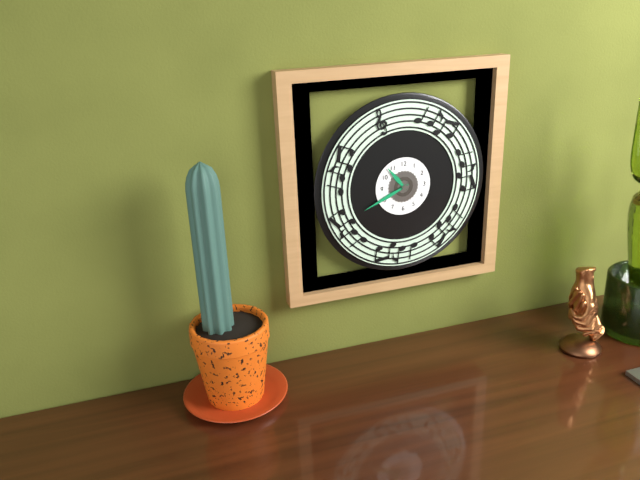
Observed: 10 h 41 min
